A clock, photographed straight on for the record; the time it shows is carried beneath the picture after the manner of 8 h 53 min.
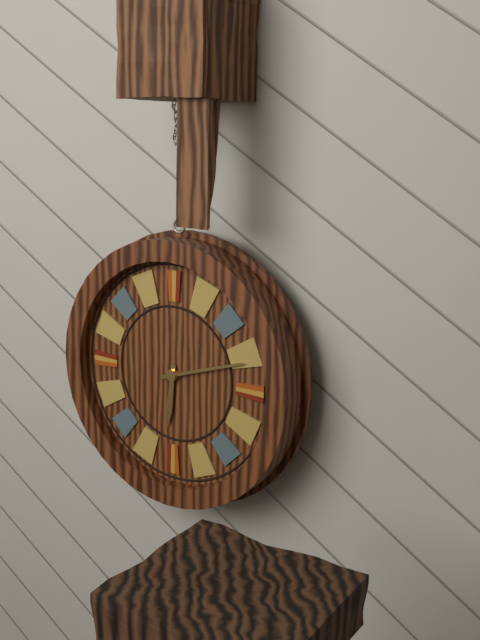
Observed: 6 h 12 min
